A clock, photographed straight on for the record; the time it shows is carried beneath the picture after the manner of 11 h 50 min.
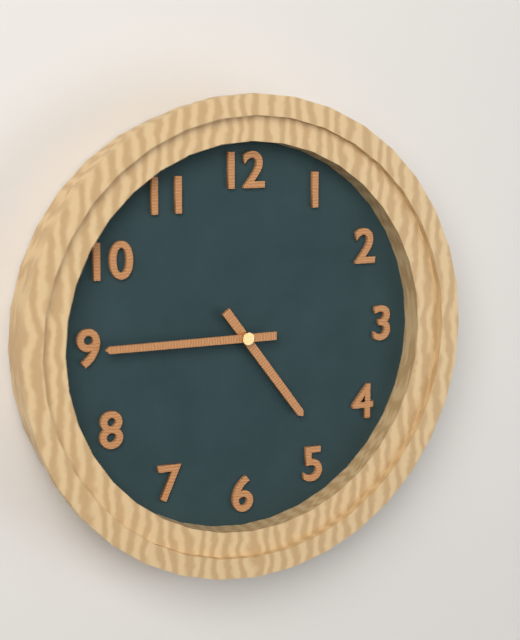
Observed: 4 h 45 min
